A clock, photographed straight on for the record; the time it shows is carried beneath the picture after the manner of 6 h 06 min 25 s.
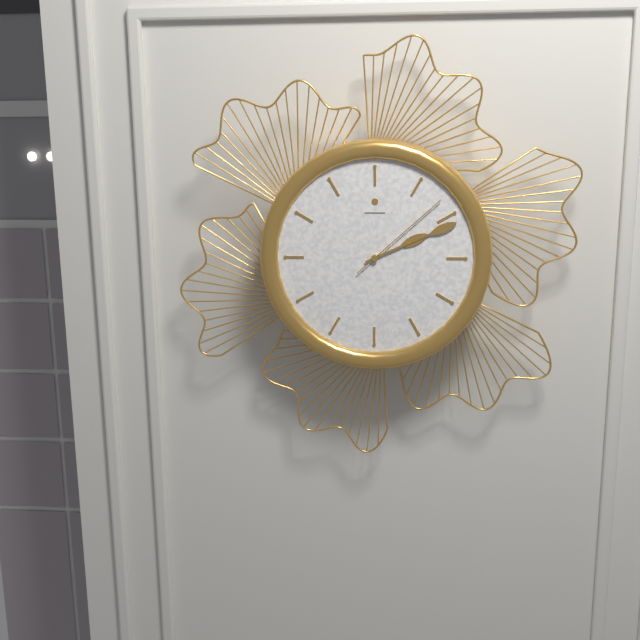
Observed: 2 h 11 min 08 s
